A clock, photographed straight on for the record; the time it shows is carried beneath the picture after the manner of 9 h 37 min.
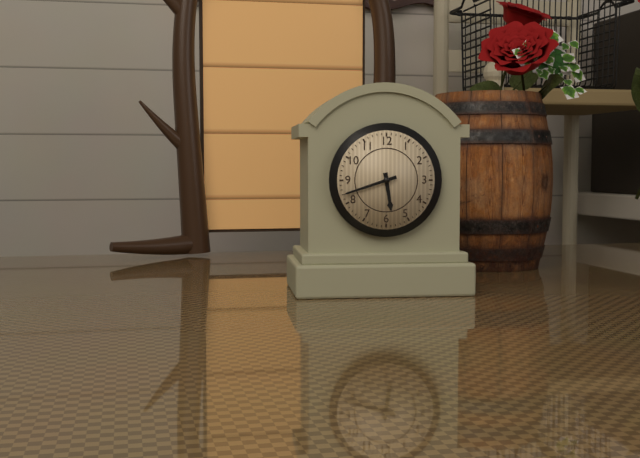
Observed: 5 h 42 min
